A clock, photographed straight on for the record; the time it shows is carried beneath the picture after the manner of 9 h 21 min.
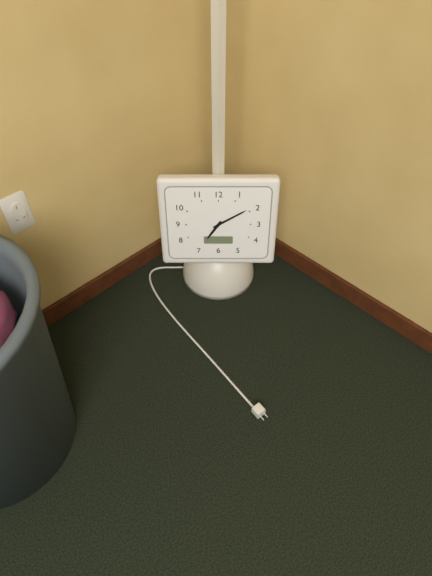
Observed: 7 h 10 min
